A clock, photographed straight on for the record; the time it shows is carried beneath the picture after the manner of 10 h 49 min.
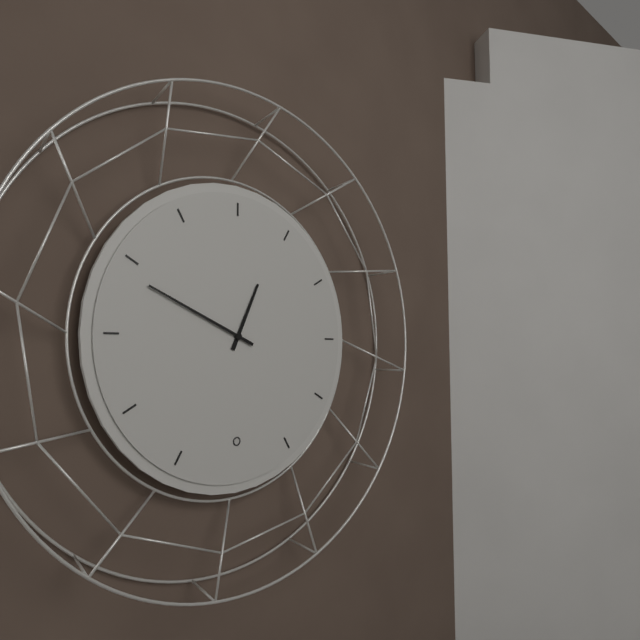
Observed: 12 h 49 min
